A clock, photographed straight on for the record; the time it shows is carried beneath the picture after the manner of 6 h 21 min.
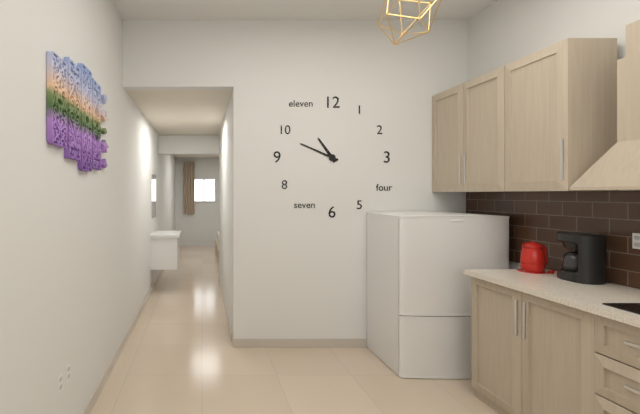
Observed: 10 h 49 min
